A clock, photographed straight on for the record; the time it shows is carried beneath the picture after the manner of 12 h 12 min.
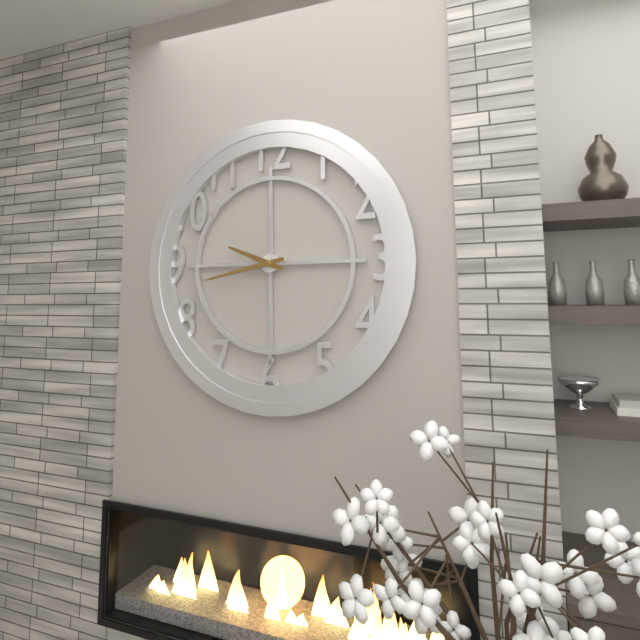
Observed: 9 h 43 min
